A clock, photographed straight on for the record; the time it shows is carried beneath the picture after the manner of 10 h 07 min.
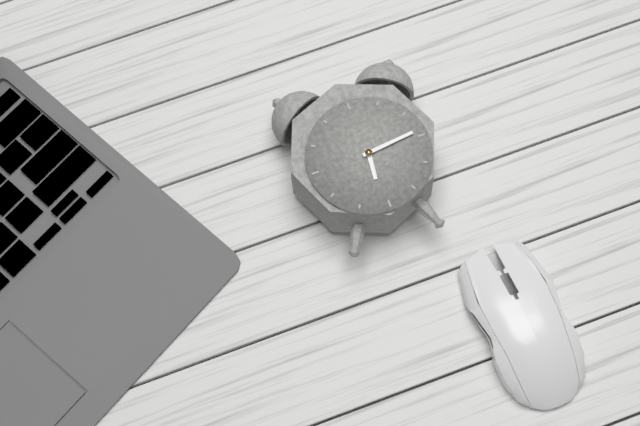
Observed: 6 h 14 min
